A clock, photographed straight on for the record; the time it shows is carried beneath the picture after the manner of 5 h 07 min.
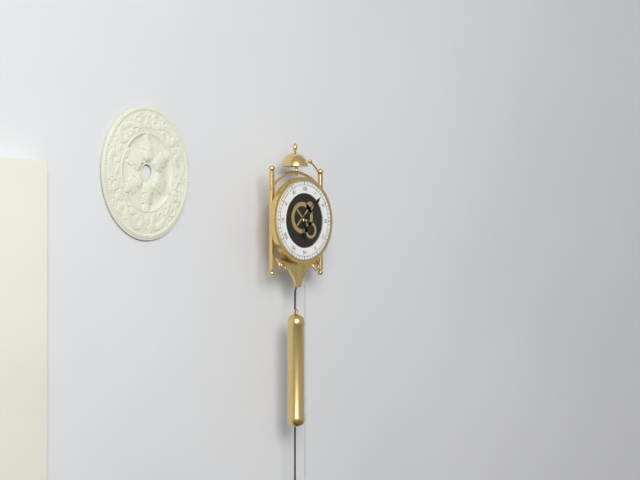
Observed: 6 h 07 min
